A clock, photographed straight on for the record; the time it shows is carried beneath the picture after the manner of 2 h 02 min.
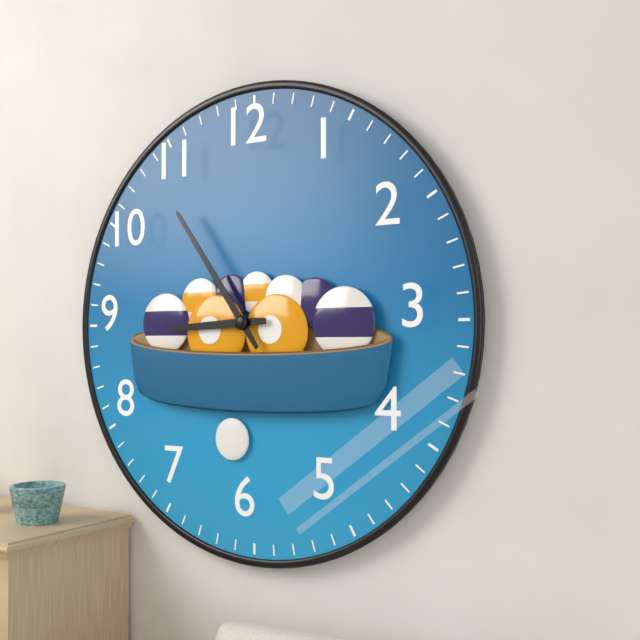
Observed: 8 h 54 min
